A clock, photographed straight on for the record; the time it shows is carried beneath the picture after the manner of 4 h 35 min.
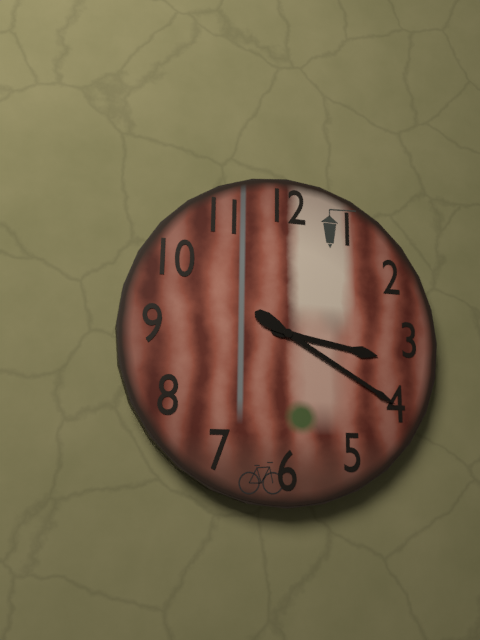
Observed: 3 h 20 min
